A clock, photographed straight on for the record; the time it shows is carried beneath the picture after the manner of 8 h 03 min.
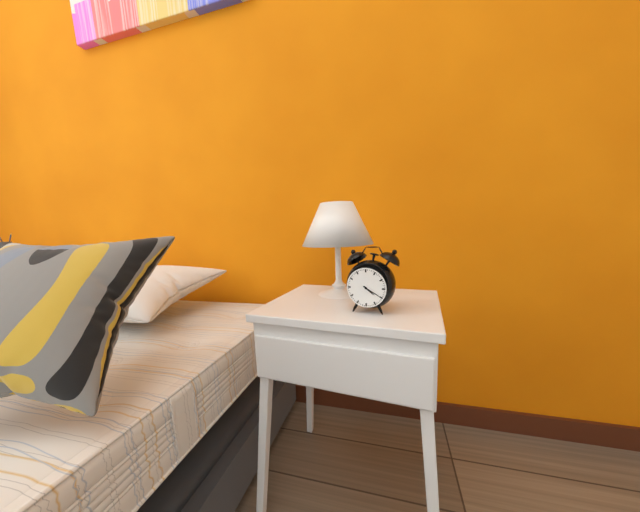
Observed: 4 h 20 min
